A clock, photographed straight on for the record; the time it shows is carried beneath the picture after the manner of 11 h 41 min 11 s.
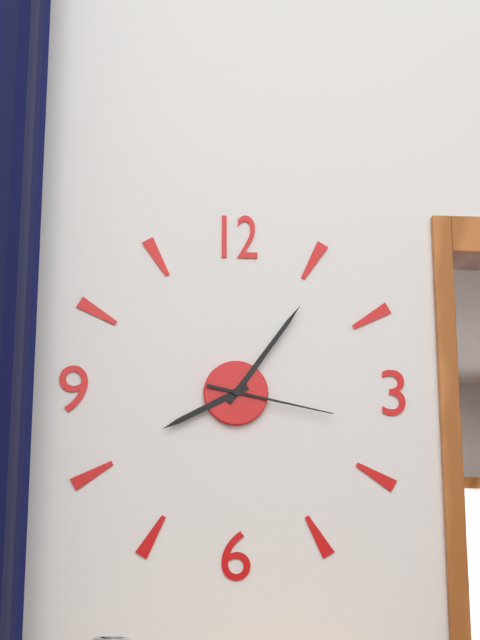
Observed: 8 h 06 min 17 s
